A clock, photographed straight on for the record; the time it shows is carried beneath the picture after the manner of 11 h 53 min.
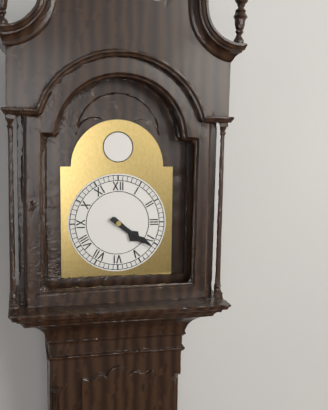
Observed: 4 h 21 min
